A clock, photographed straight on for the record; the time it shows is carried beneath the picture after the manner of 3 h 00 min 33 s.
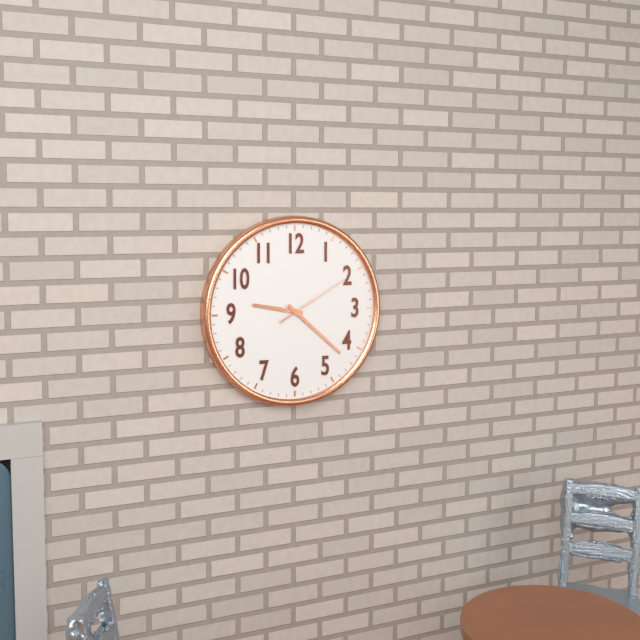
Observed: 9 h 22 min 10 s
